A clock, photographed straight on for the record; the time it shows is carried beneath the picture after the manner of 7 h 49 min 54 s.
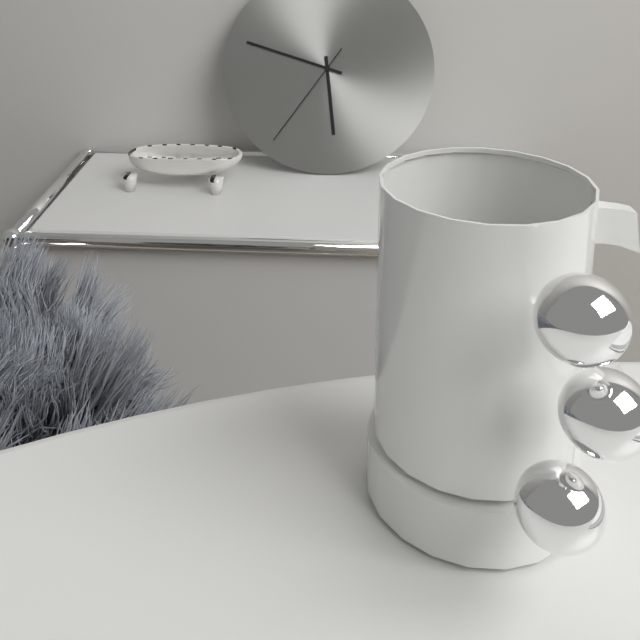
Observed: 5 h 48 min 36 s
